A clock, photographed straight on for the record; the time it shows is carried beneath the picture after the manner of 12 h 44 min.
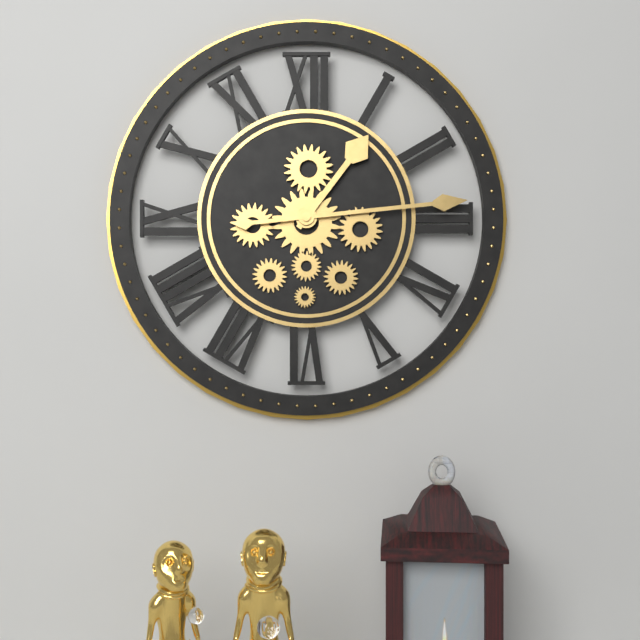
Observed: 1 h 14 min
